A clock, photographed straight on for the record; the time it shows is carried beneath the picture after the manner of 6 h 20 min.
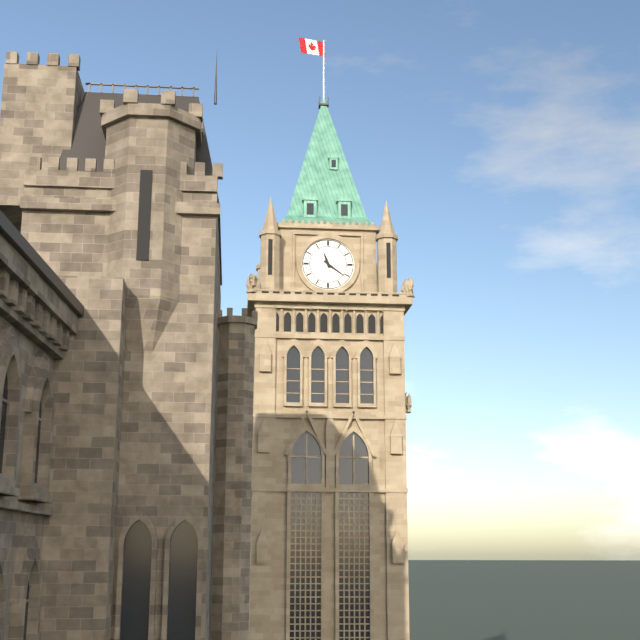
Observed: 11 h 21 min
